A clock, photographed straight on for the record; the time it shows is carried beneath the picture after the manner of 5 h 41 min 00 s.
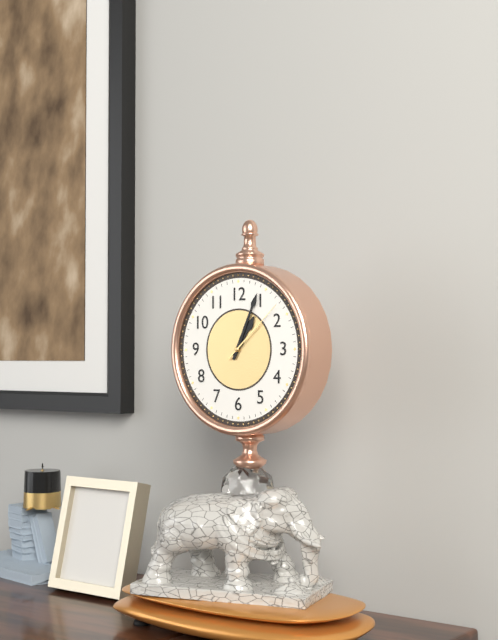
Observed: 1 h 04 min 08 s
